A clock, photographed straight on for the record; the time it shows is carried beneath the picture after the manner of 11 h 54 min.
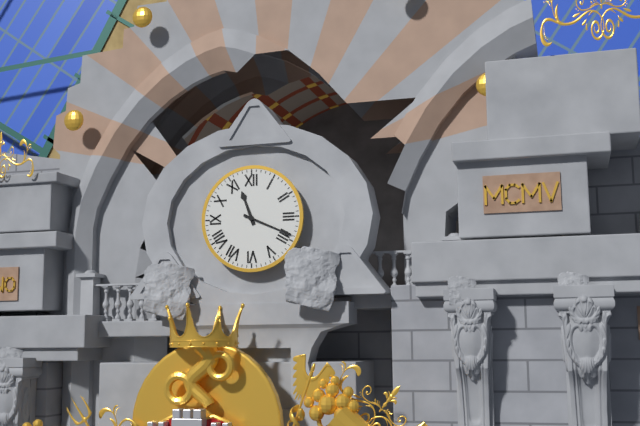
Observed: 11 h 19 min
